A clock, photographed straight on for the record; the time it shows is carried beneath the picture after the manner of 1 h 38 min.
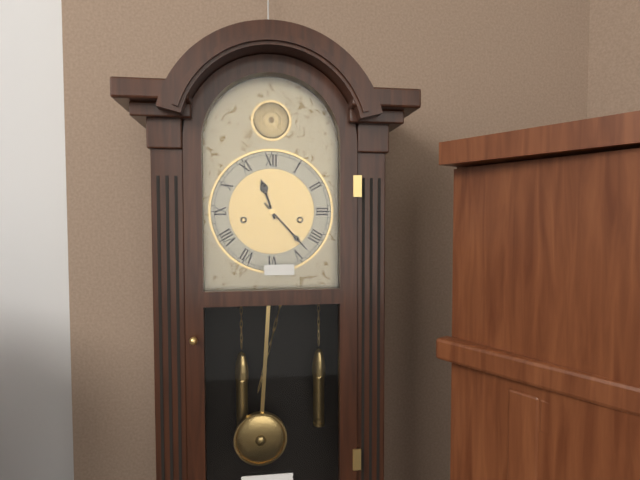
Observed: 11 h 23 min
